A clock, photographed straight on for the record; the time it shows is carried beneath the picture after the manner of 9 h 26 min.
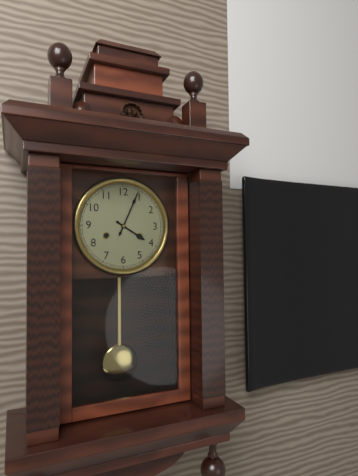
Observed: 4 h 04 min
